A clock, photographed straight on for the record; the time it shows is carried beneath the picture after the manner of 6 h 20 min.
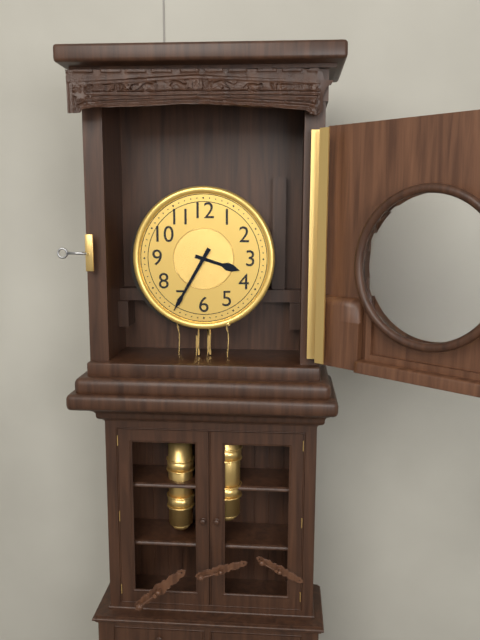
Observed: 3 h 35 min
